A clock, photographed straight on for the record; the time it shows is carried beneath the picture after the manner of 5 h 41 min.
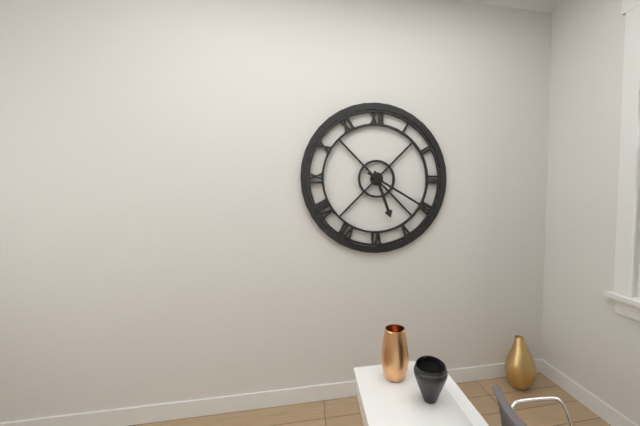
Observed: 5 h 20 min
